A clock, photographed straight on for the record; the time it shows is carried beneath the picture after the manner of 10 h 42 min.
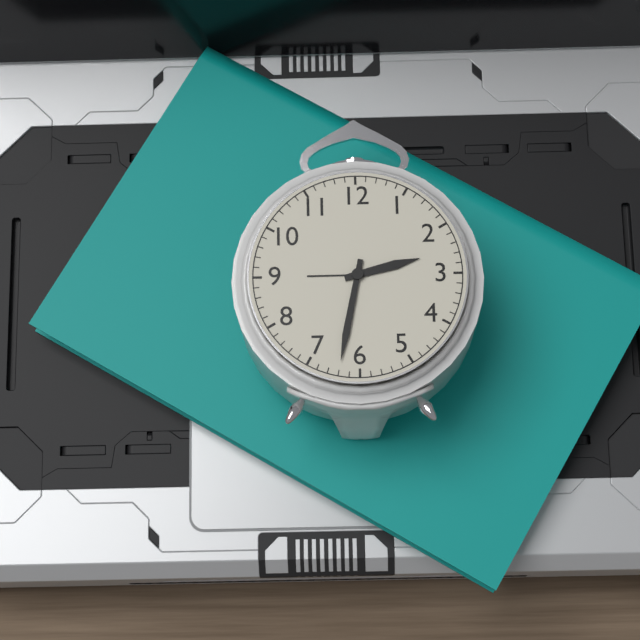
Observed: 2 h 32 min
